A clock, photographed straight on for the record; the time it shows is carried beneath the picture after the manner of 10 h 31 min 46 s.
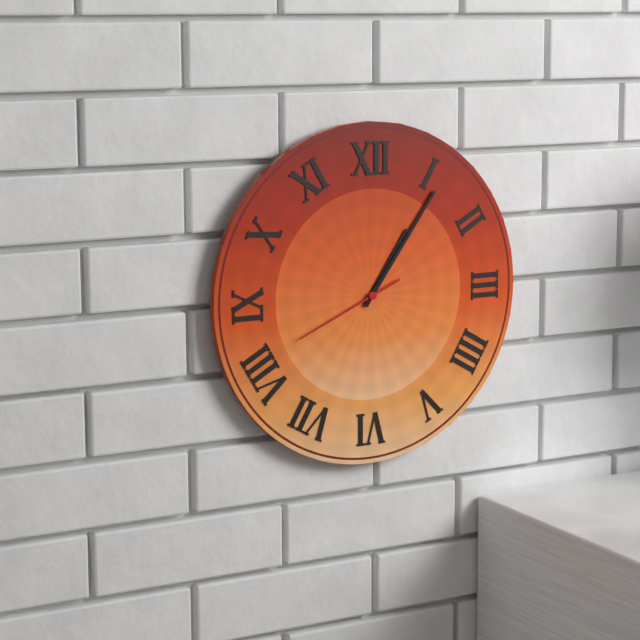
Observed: 1 h 06 min 41 s
